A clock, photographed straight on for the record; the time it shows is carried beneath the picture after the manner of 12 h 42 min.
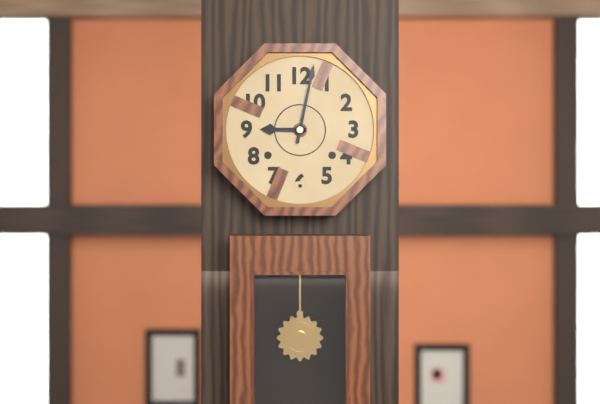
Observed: 9 h 02 min
